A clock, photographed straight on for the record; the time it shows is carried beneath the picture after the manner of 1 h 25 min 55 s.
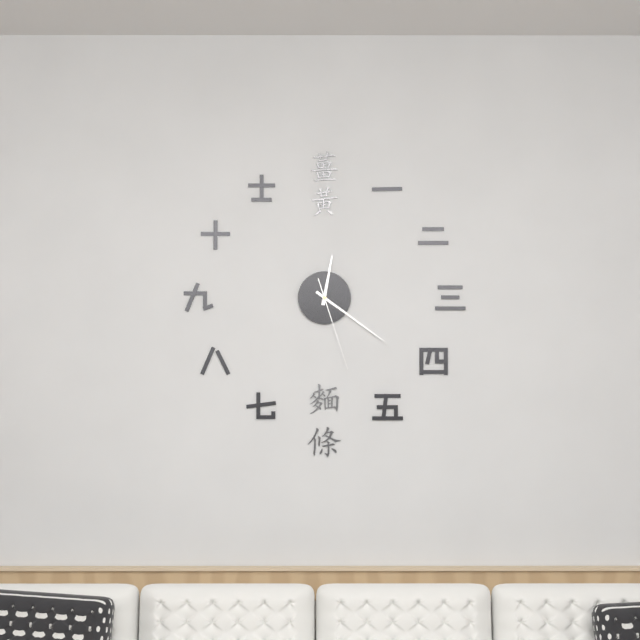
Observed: 12 h 21 min 27 s
